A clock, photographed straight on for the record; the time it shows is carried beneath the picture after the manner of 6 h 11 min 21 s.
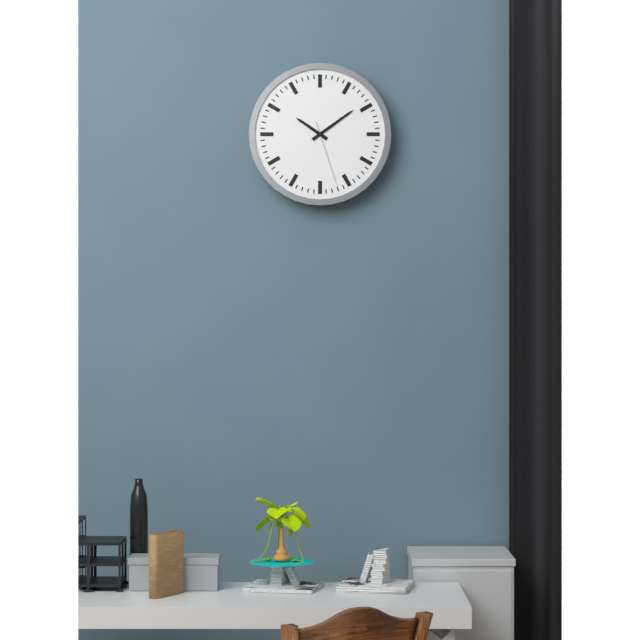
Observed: 10 h 09 min 27 s
